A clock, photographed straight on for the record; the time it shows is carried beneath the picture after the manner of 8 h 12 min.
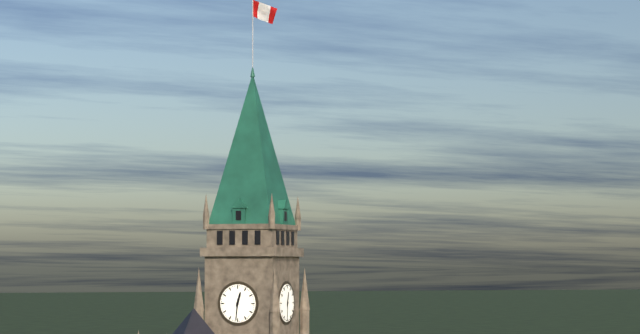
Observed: 12 h 31 min
